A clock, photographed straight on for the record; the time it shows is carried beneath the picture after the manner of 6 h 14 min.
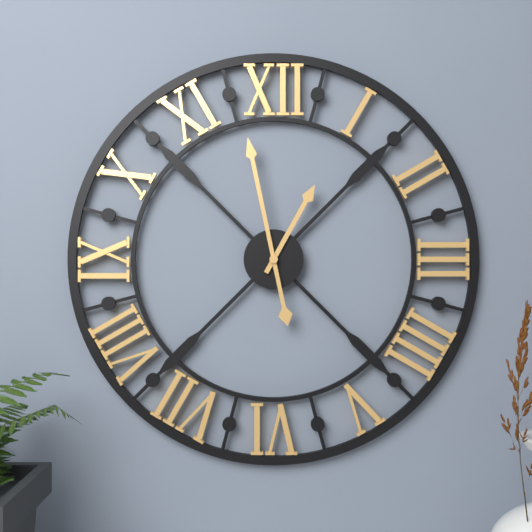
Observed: 12 h 58 min
